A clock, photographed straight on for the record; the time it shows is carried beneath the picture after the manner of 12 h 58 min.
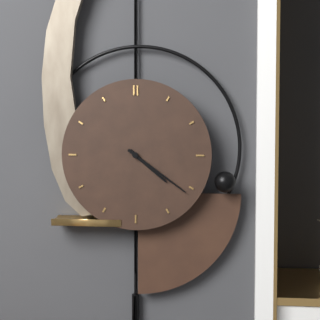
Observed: 4 h 21 min
